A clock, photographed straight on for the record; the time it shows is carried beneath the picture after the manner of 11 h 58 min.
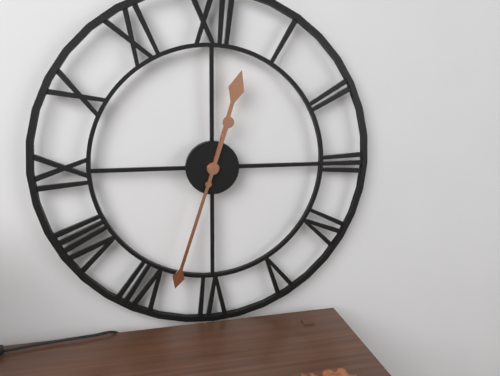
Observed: 12 h 33 min
